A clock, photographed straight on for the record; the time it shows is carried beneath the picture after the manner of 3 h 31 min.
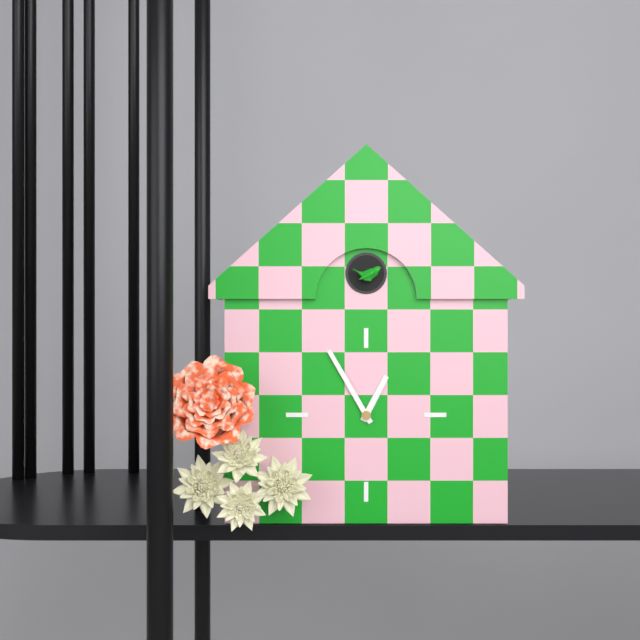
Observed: 12 h 55 min
